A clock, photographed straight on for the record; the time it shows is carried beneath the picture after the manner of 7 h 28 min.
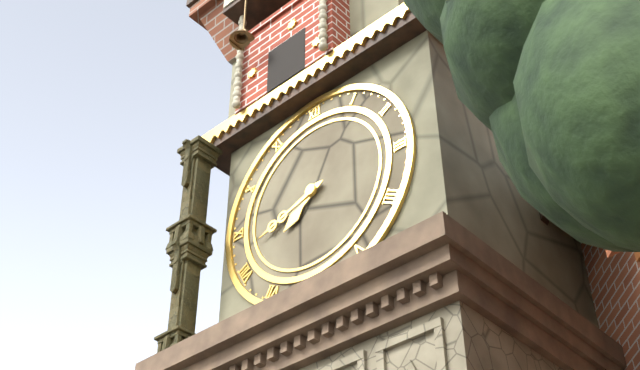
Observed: 7 h 42 min
